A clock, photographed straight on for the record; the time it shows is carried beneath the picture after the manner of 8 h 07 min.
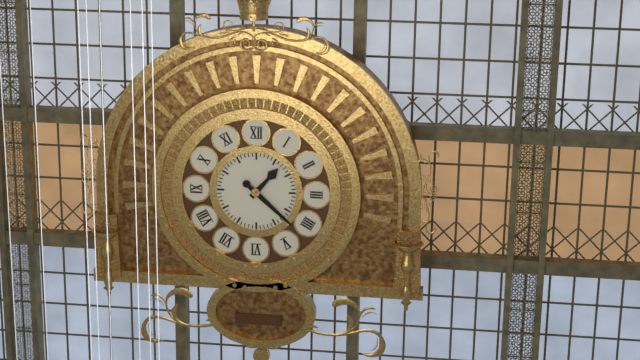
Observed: 1 h 22 min
